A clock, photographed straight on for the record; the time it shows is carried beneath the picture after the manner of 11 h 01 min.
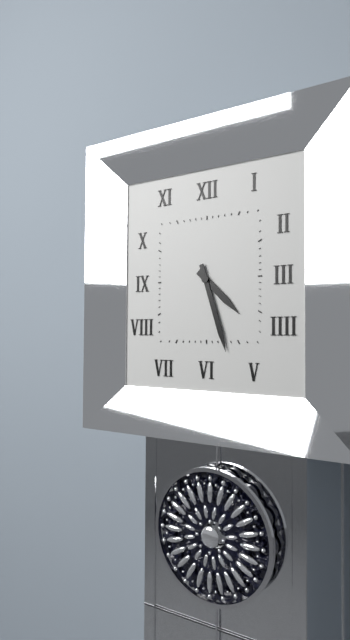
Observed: 4 h 27 min
